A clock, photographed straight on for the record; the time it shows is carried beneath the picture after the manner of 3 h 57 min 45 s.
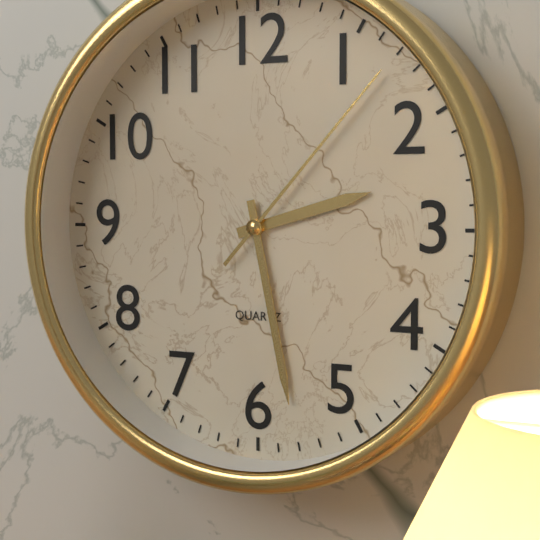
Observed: 2 h 28 min 07 s
